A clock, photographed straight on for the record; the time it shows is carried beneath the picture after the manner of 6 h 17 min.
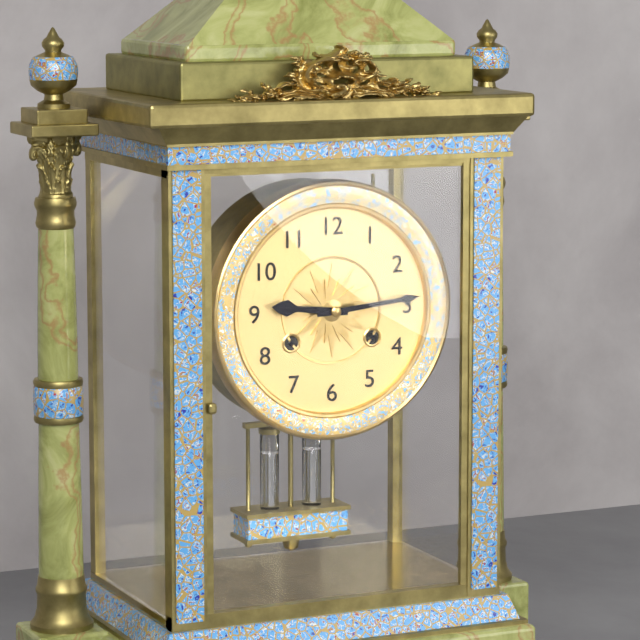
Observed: 9 h 14 min
